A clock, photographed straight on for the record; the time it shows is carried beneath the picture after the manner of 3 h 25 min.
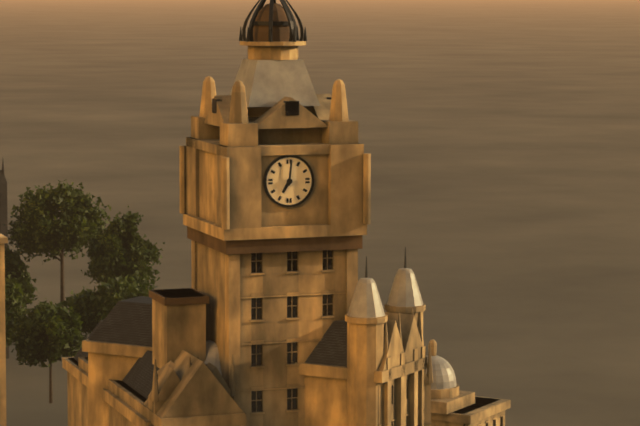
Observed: 7 h 01 min
